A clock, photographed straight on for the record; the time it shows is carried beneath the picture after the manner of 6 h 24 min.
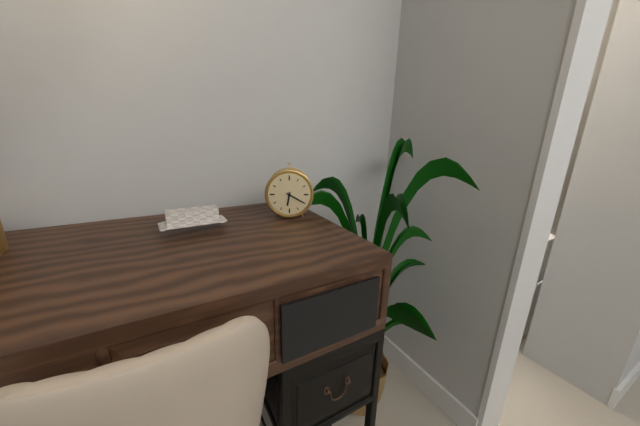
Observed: 6 h 20 min
